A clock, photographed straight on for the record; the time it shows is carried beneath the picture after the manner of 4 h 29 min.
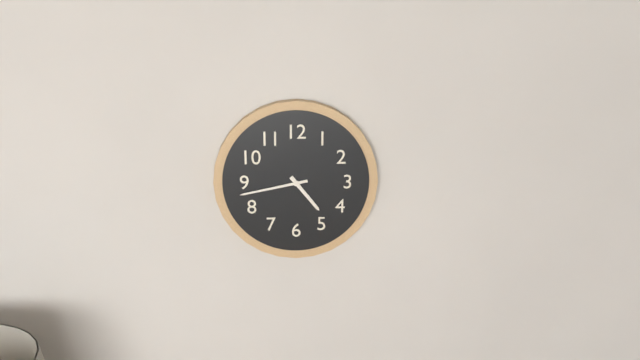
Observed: 4 h 43 min
